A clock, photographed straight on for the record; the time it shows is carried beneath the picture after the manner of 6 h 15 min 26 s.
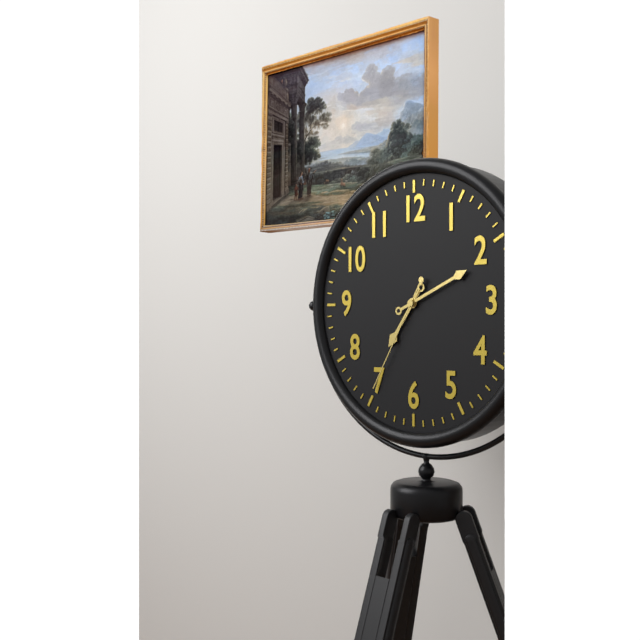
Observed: 7 h 11 min 35 s
